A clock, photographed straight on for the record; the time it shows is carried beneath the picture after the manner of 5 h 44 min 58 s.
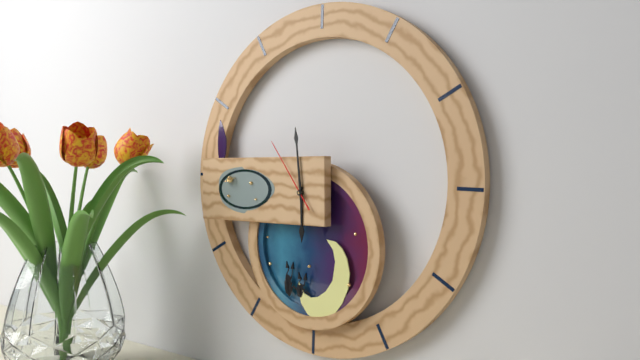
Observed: 5 h 59 min 54 s
